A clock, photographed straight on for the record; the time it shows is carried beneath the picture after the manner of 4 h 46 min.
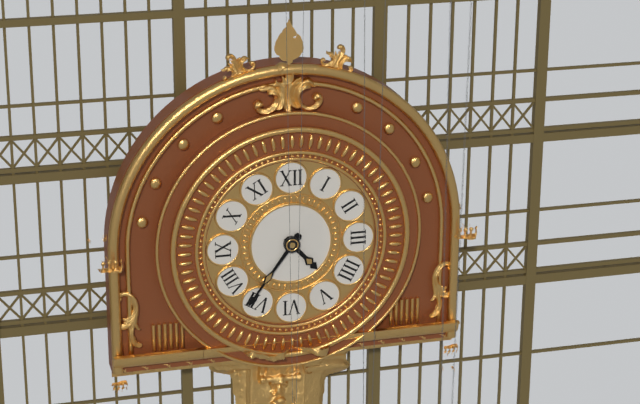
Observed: 4 h 36 min
